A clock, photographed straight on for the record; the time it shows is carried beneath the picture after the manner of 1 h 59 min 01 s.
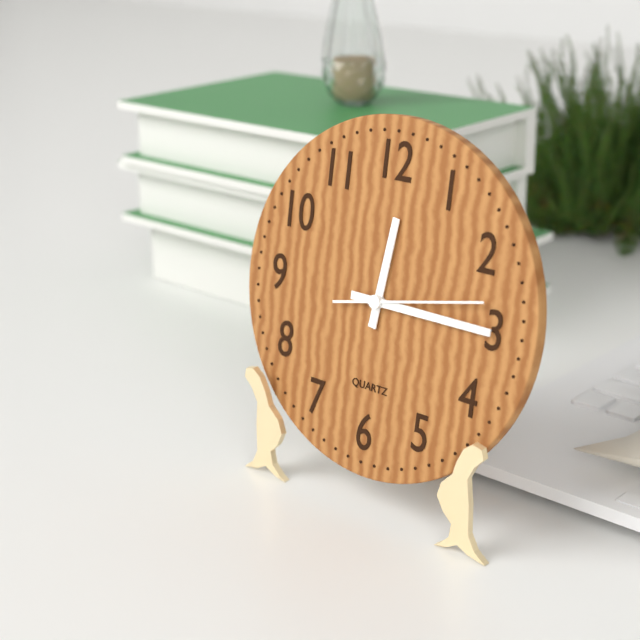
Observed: 12 h 15 min 13 s
